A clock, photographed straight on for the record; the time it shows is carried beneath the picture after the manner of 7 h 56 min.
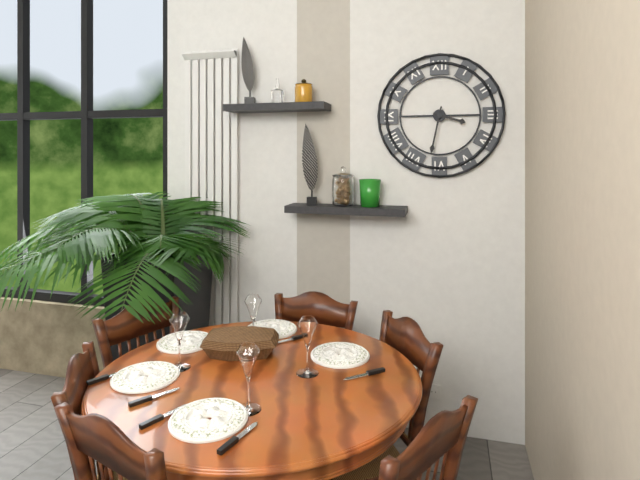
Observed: 3 h 32 min
